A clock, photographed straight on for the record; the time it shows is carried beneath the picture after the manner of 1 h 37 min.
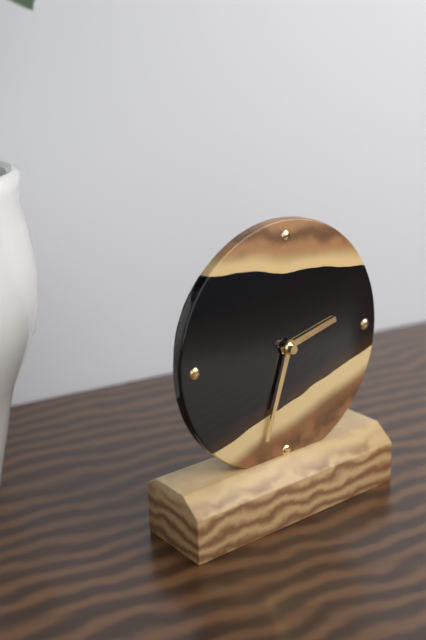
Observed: 2 h 33 min
